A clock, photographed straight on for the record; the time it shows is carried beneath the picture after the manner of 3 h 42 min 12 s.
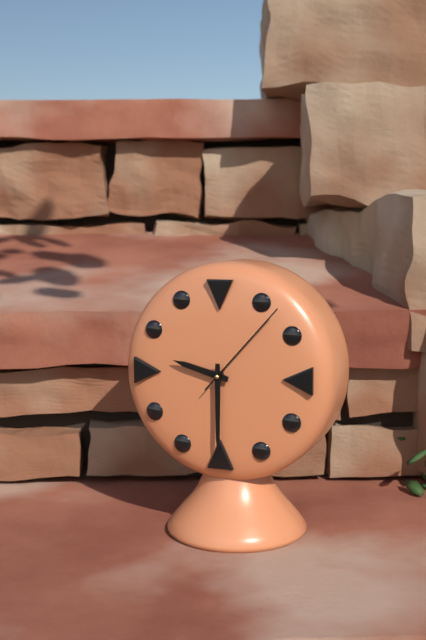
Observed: 9 h 30 min 07 s
